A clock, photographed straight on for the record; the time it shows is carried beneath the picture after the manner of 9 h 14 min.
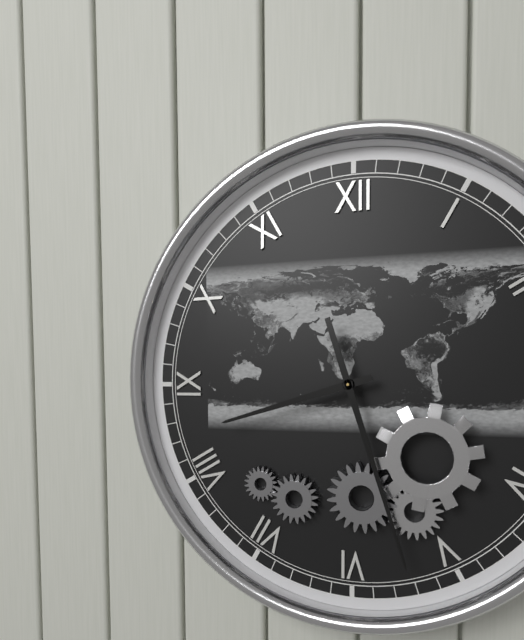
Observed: 8 h 27 min
